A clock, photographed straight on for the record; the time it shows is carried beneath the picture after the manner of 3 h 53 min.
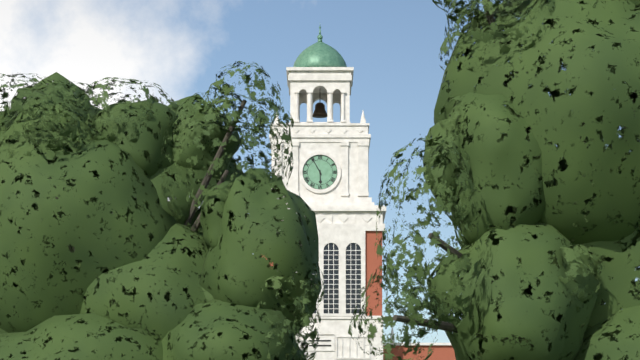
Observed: 5 h 55 min
